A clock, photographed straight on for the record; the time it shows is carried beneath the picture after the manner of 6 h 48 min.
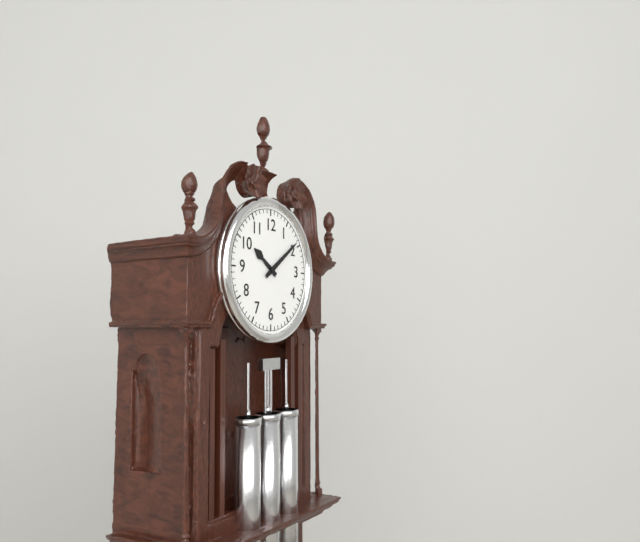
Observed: 10 h 09 min
